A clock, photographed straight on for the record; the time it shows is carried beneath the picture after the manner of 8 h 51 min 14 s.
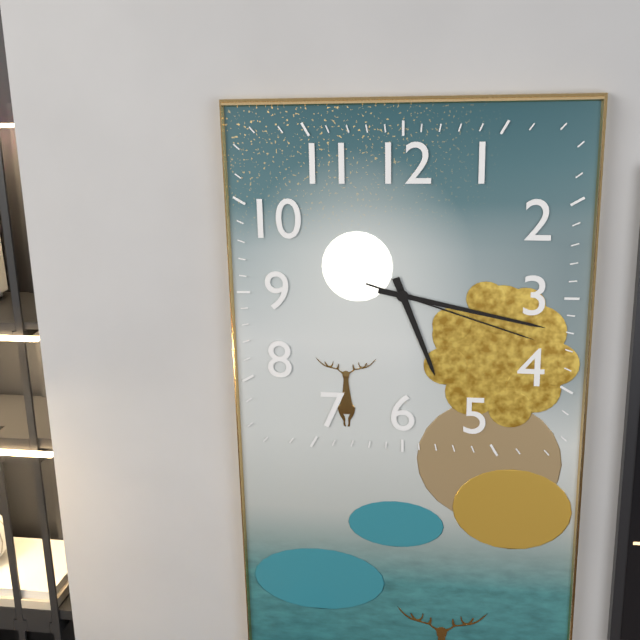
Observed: 5 h 17 min 18 s
